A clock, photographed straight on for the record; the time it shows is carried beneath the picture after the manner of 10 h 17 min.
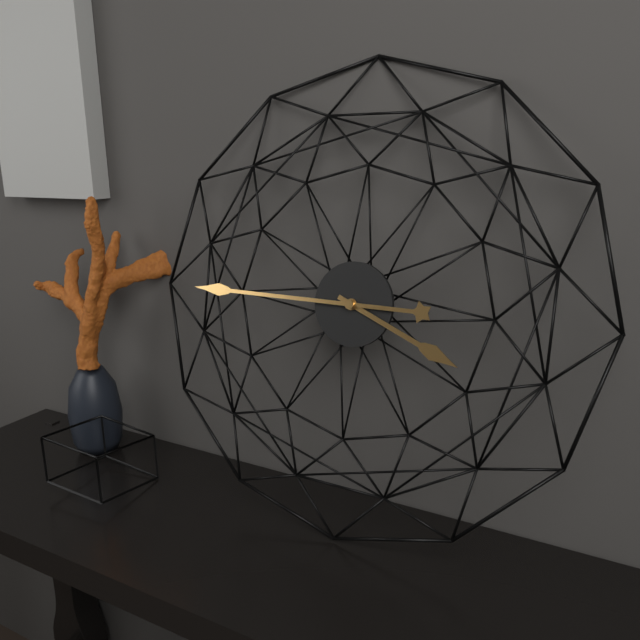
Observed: 3 h 45 min
